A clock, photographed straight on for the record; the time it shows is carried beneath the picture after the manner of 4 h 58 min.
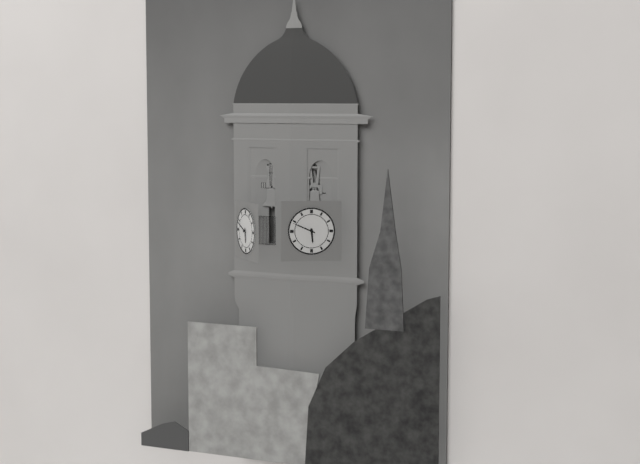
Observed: 5 h 49 min
